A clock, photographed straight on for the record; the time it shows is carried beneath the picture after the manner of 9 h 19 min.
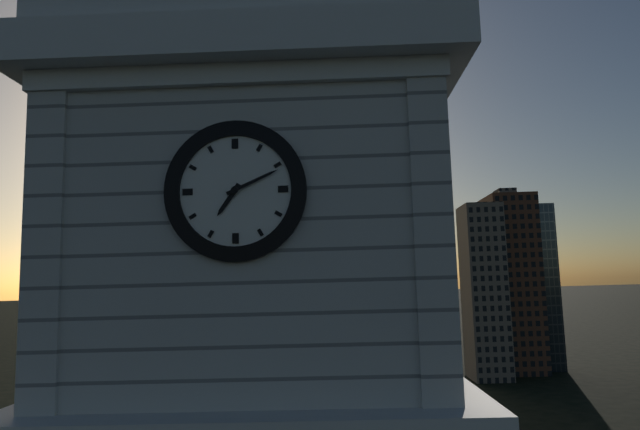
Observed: 7 h 11 min
